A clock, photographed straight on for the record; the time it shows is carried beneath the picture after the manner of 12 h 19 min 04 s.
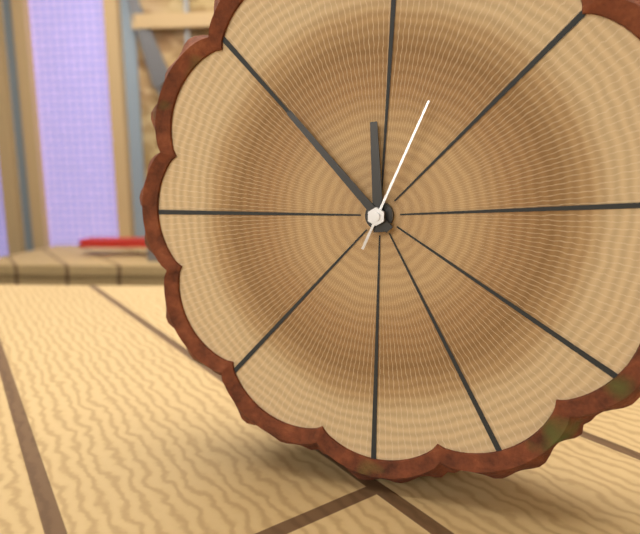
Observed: 11 h 53 min 04 s
